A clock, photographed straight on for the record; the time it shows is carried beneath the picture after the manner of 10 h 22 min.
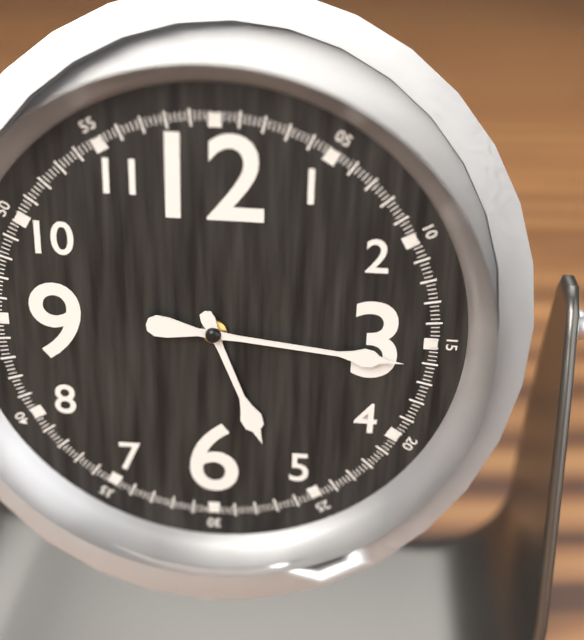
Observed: 5 h 16 min
